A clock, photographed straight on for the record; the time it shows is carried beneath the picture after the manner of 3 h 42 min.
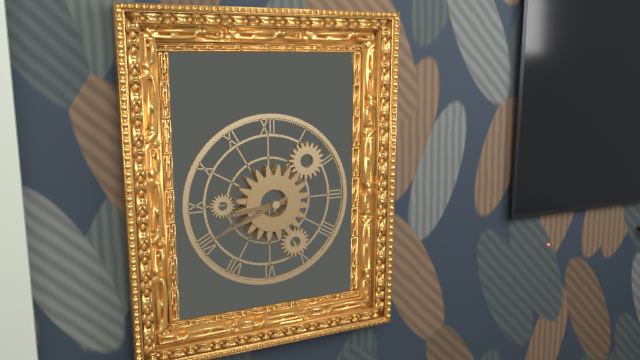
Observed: 8 h 41 min
